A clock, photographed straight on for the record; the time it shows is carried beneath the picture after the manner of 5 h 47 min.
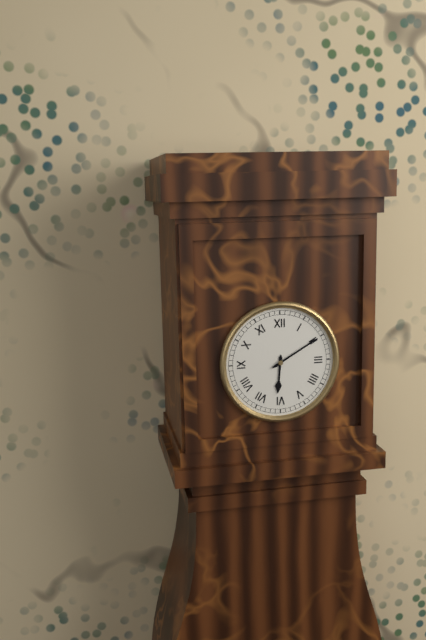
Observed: 6 h 10 min
